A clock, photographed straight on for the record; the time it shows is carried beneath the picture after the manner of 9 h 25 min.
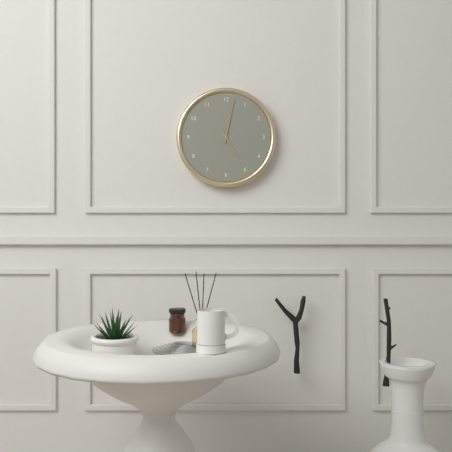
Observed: 5 h 02 min
